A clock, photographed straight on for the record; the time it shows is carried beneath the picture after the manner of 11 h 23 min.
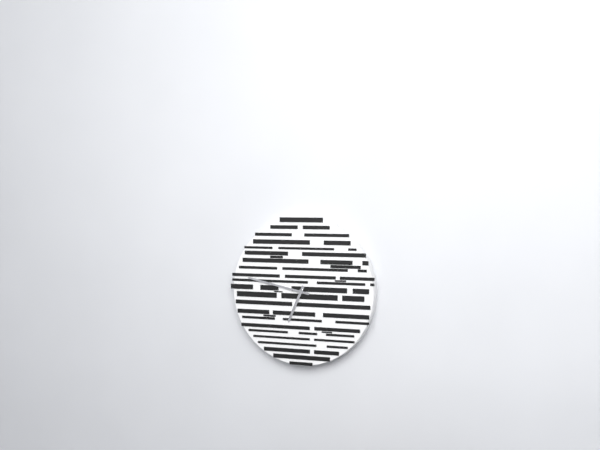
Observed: 6 h 47 min
